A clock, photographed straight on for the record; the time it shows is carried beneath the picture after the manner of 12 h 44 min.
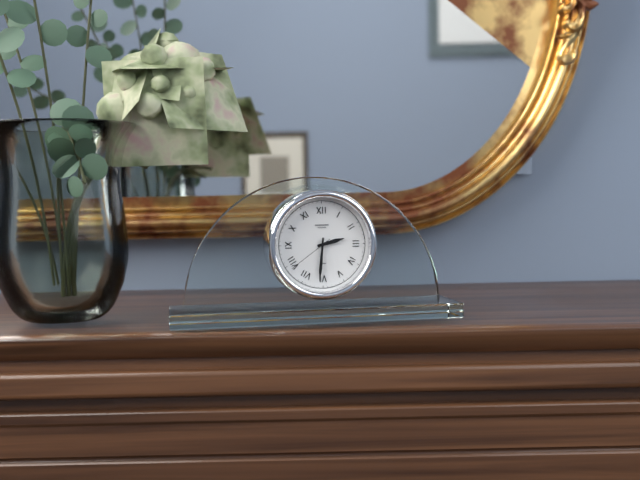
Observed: 2 h 31 min
